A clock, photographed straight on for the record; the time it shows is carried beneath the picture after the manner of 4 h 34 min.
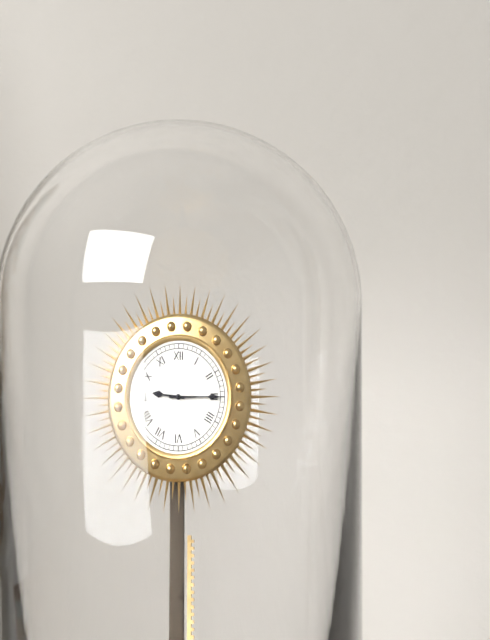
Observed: 9 h 15 min
